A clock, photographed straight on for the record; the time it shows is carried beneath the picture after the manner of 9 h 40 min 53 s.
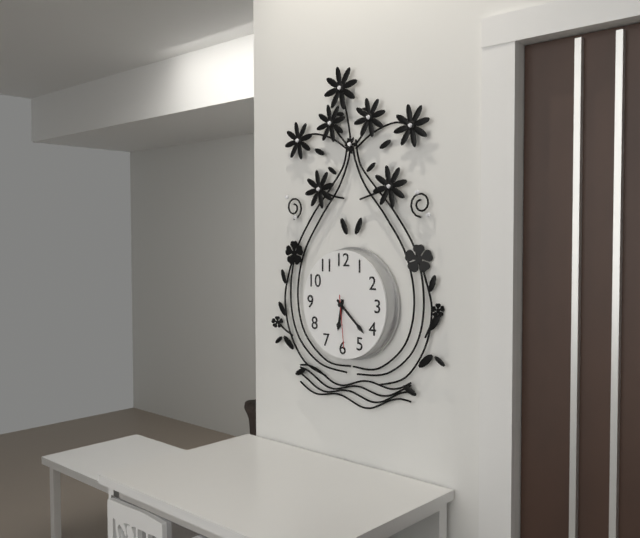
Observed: 6 h 22 min 29 s
